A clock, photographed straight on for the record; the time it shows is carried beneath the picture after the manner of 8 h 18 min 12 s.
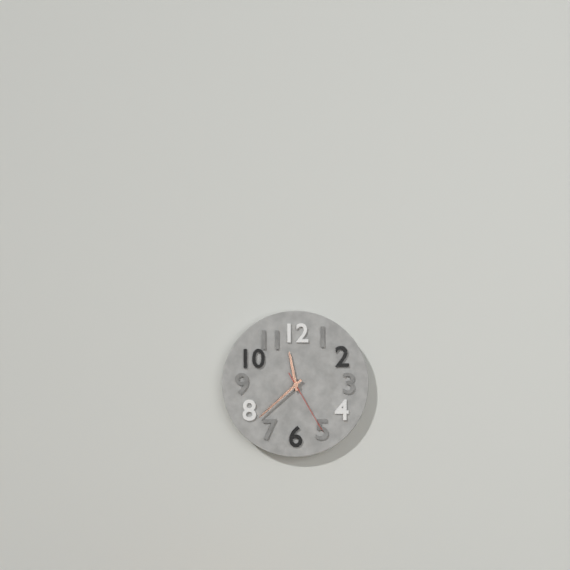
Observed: 11 h 38 min 25 s
